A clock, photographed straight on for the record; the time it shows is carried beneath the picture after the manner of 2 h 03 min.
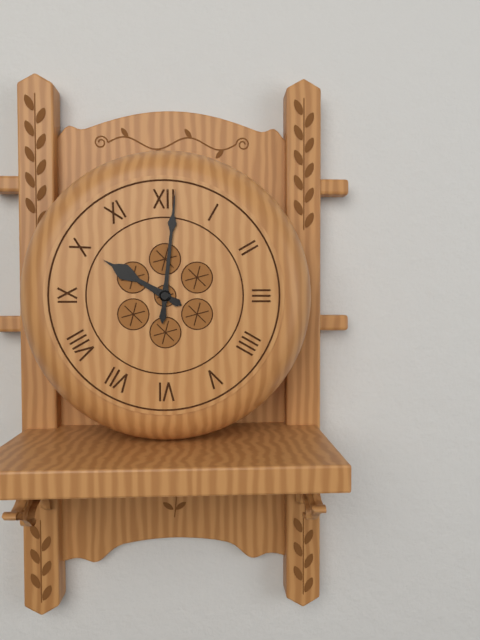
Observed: 10 h 01 min
